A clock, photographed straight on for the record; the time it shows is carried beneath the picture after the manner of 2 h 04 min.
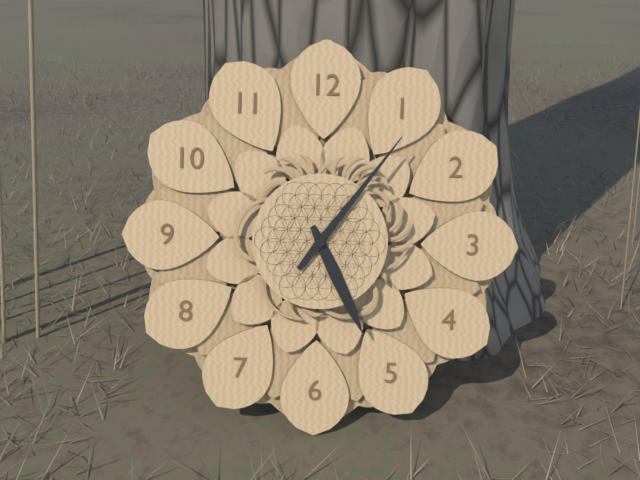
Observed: 5 h 06 min
